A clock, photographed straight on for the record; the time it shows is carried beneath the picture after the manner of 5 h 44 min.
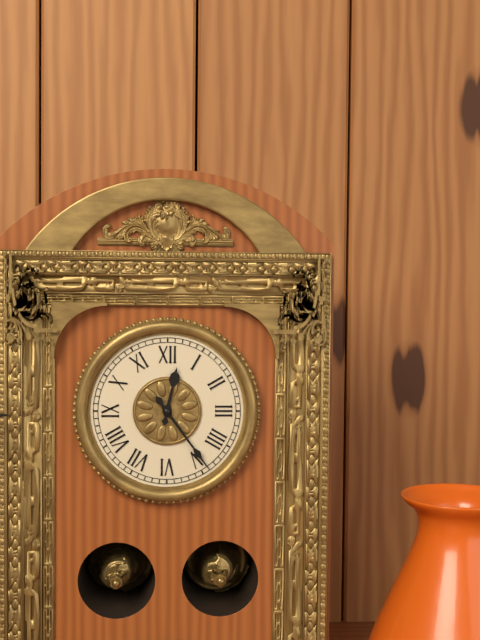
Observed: 12 h 24 min
